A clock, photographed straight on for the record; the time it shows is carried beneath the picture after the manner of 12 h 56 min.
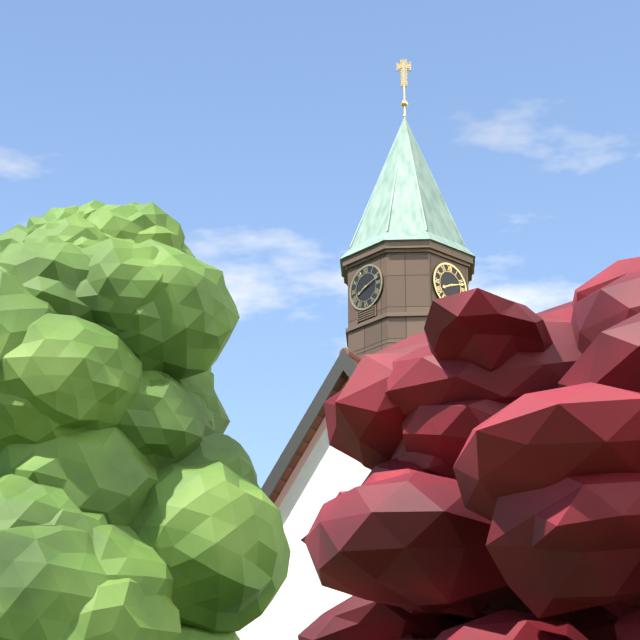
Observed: 8 h 12 min
